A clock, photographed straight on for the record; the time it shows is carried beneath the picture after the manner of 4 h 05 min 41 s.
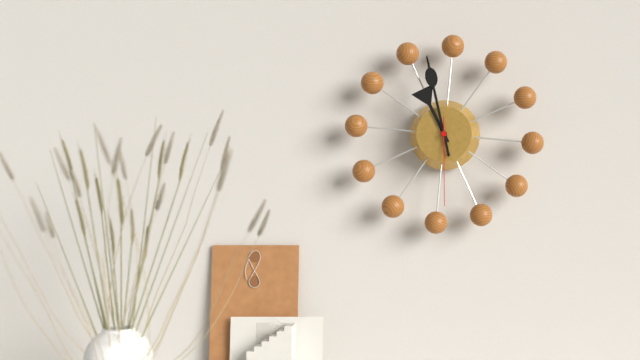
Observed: 10 h 57 min 29 s
